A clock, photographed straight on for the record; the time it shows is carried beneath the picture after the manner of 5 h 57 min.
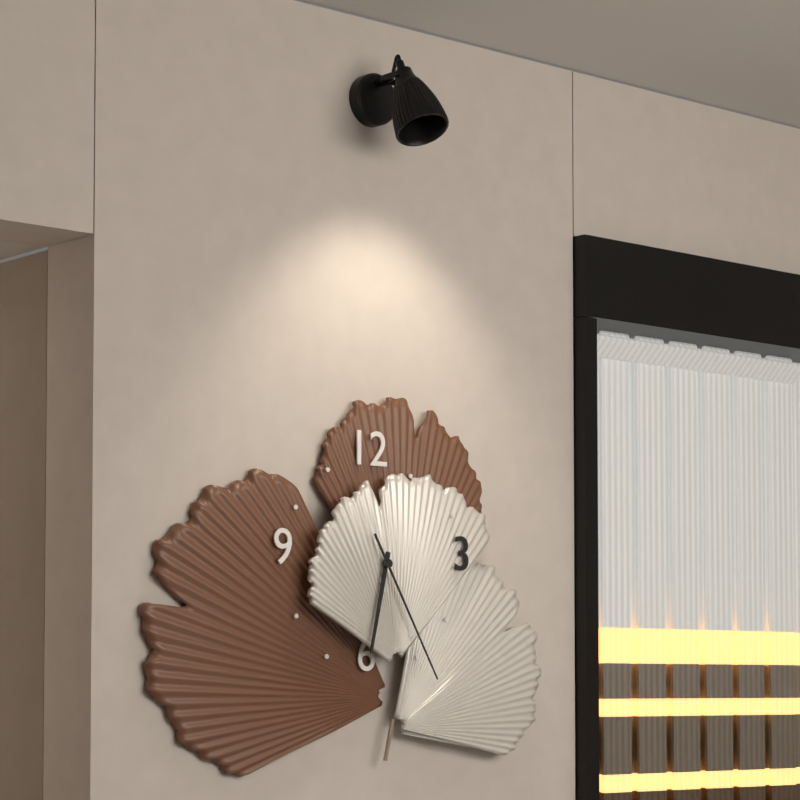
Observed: 6 h 25 min
